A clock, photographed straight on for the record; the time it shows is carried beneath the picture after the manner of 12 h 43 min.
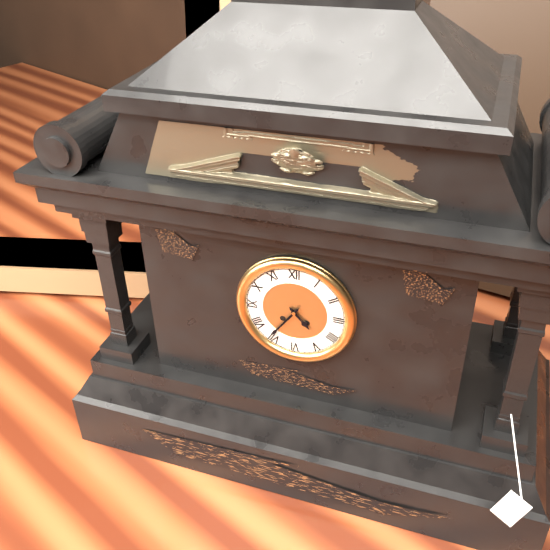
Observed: 4 h 36 min
